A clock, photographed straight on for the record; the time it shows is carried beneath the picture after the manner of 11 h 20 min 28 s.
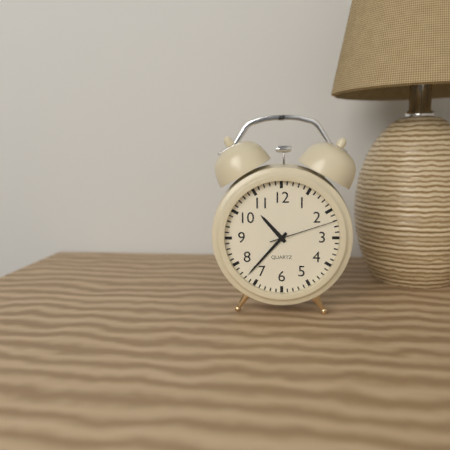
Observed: 10 h 37 min 12 s
